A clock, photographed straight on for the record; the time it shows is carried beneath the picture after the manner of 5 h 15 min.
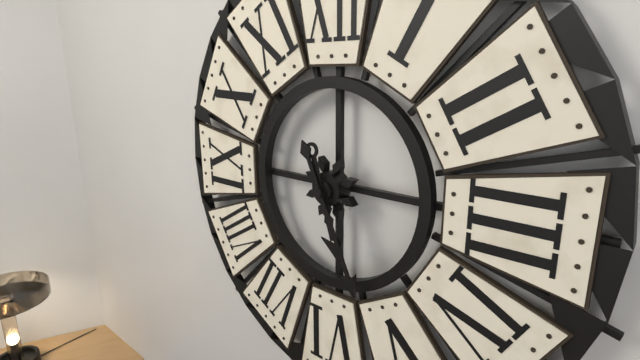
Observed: 5 h 26 min
